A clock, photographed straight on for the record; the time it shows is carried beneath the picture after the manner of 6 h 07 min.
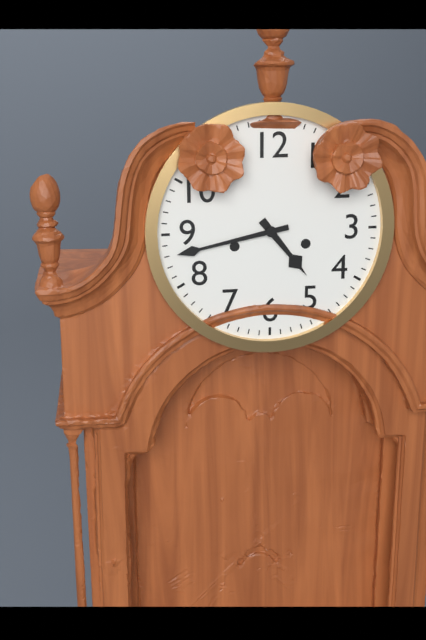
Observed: 4 h 43 min
